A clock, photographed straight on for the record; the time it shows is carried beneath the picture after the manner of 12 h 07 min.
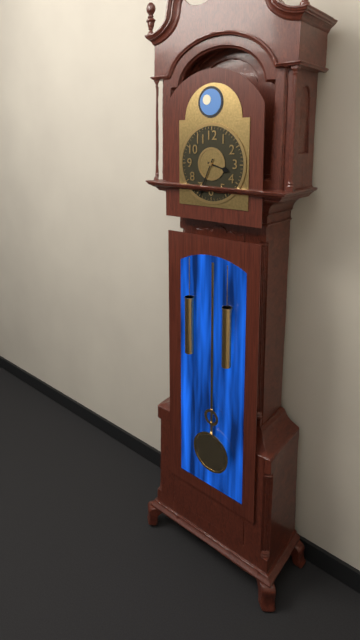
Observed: 3 h 34 min
